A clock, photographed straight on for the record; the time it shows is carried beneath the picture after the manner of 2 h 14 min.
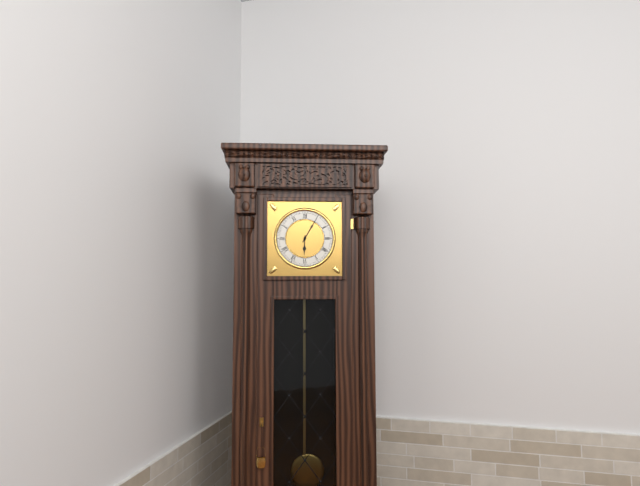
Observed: 6 h 05 min
